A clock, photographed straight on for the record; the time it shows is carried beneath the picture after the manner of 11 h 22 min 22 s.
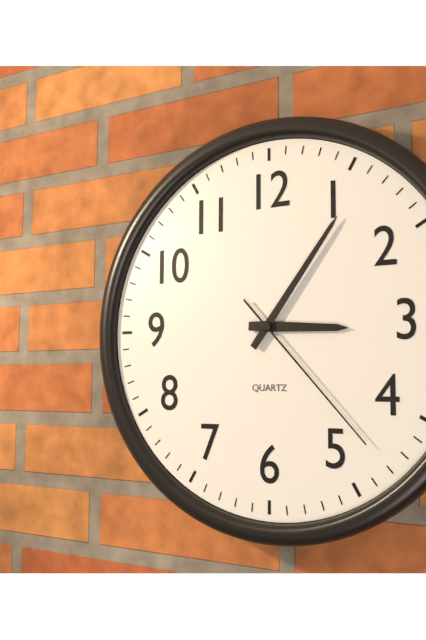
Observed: 3 h 06 min 23 s
